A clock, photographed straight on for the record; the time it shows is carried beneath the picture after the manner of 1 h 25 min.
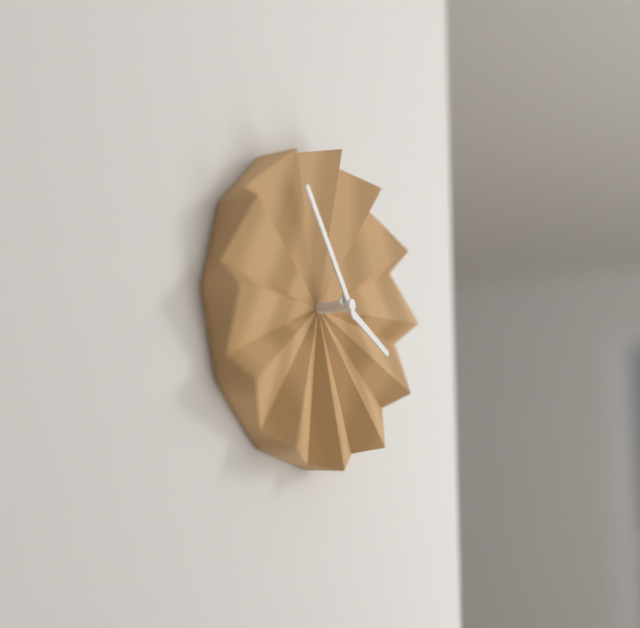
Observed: 3 h 54 min
